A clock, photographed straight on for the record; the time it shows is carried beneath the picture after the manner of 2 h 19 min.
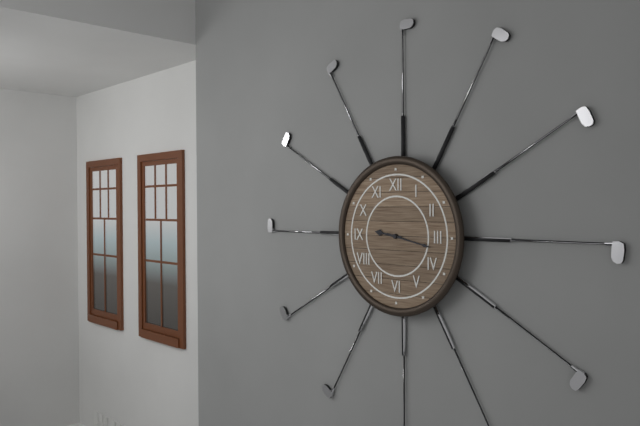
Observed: 9 h 17 min
